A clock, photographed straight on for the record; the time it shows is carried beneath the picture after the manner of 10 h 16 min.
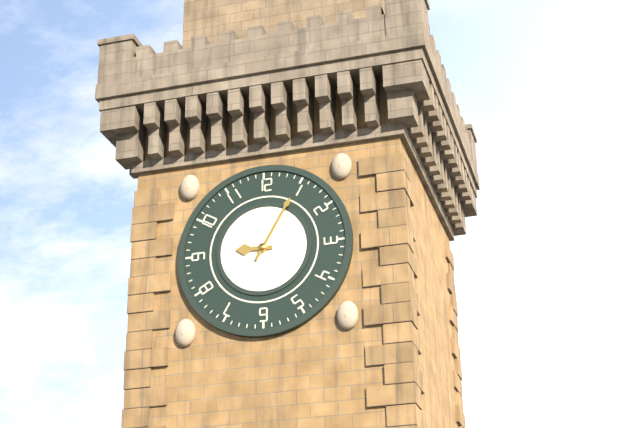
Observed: 9 h 05 min
